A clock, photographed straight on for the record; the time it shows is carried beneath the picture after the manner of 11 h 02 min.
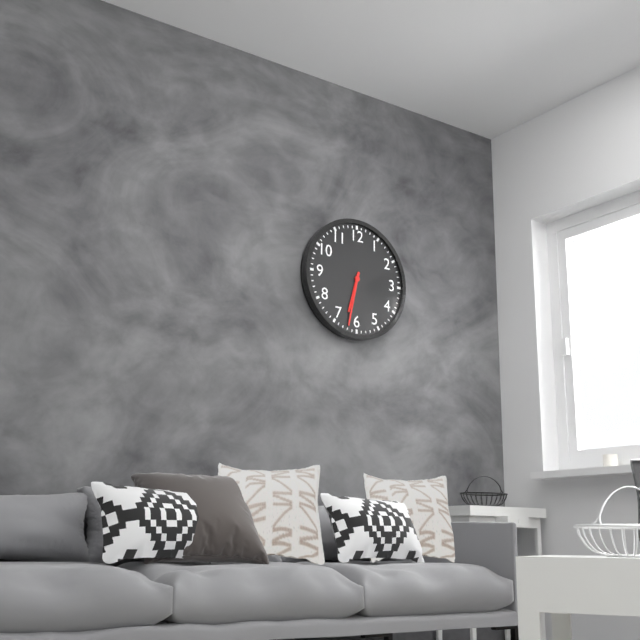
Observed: 6 h 32 min
